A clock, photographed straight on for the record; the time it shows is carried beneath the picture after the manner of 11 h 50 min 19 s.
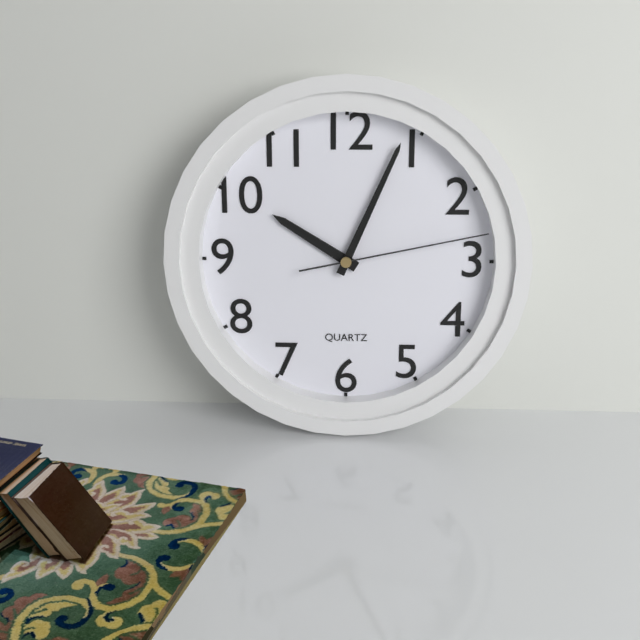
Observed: 10 h 04 min 13 s
